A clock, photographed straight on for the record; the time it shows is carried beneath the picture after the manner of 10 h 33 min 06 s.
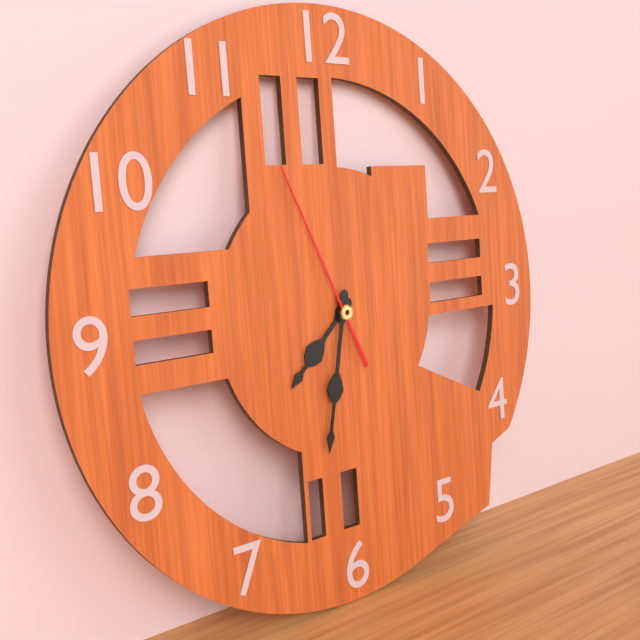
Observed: 7 h 32 min 56 s
